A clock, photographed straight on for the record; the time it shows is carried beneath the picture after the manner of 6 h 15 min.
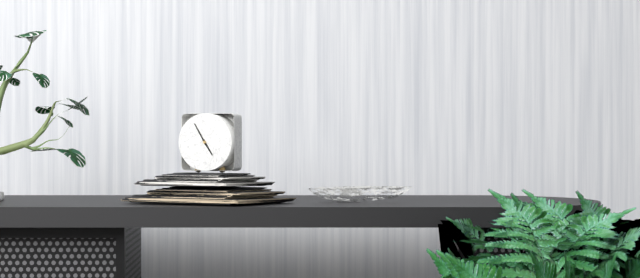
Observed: 4 h 55 min
